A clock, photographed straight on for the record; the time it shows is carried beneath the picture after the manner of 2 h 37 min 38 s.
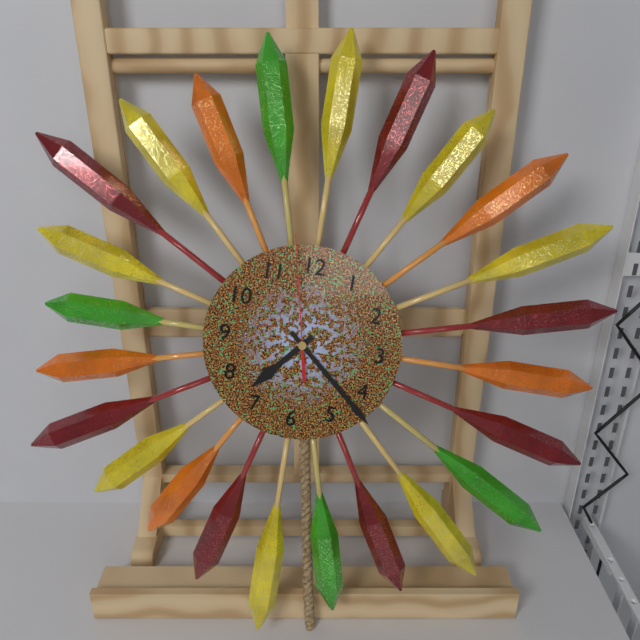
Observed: 7 h 22 min 58 s
